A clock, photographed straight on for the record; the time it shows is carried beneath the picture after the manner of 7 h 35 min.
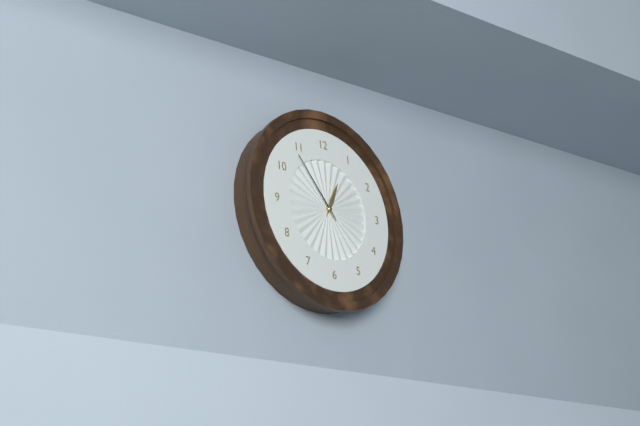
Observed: 12 h 54 min
